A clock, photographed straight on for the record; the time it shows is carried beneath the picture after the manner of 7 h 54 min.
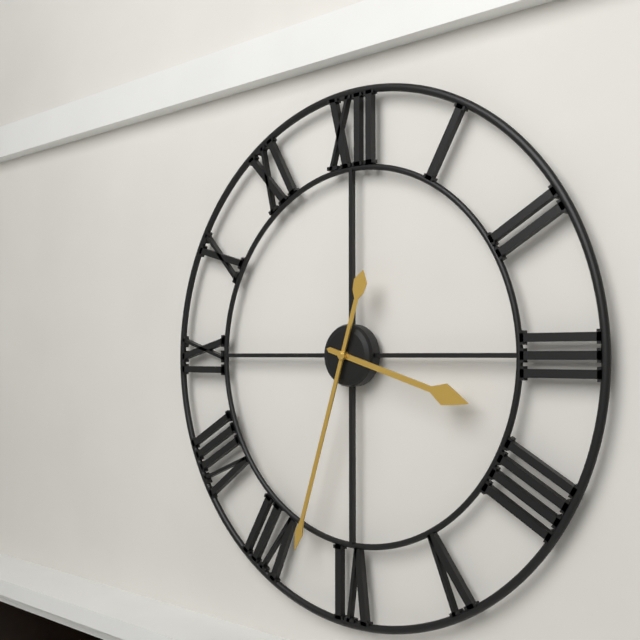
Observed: 3 h 33 min
